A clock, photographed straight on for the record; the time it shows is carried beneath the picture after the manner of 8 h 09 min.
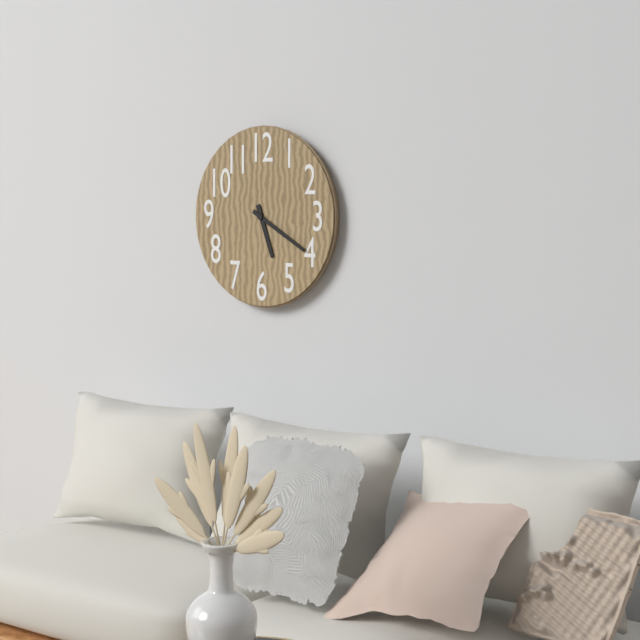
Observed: 5 h 20 min
